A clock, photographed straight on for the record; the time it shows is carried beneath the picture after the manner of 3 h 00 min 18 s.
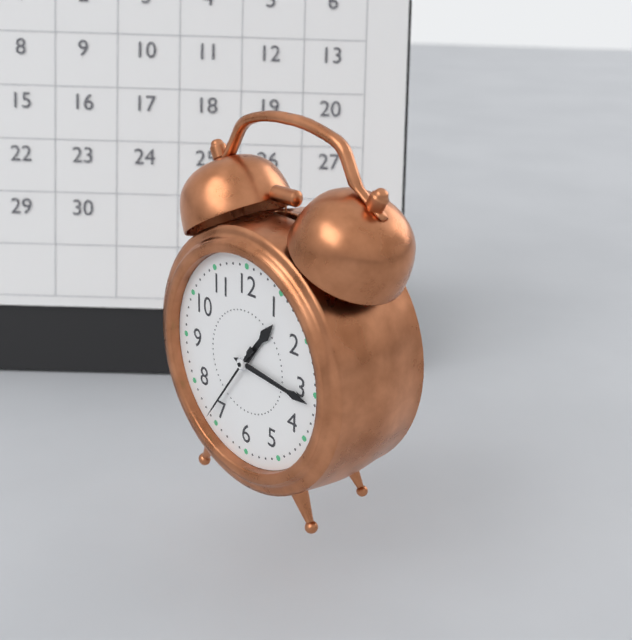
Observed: 1 h 16 min 36 s
